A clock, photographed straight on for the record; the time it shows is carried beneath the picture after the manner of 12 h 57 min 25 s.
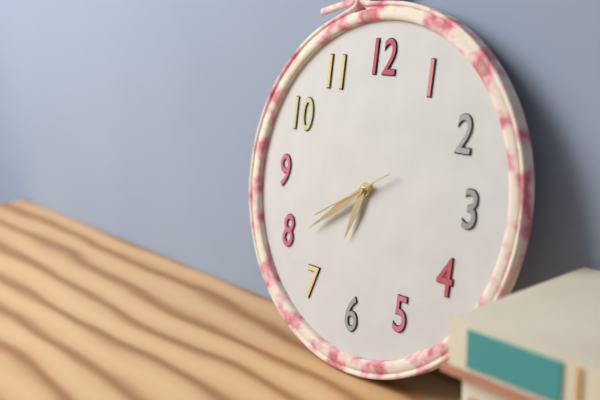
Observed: 6 h 39 min 40 s
